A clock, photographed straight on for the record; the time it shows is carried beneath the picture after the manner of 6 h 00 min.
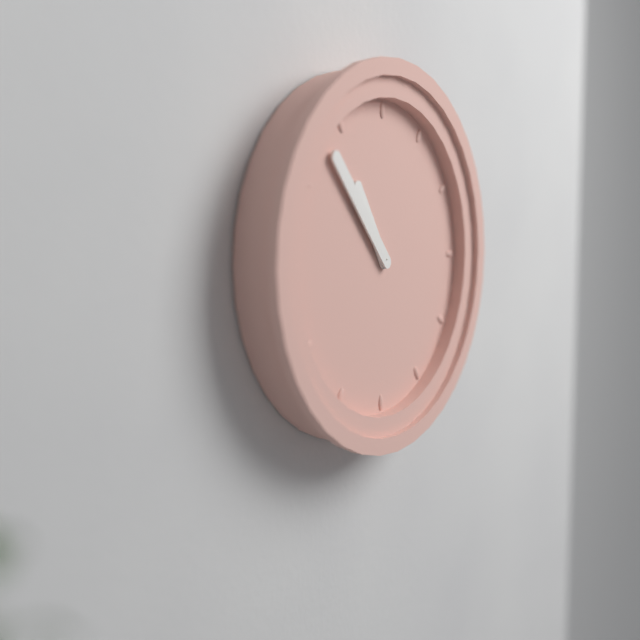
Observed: 10 h 53 min
